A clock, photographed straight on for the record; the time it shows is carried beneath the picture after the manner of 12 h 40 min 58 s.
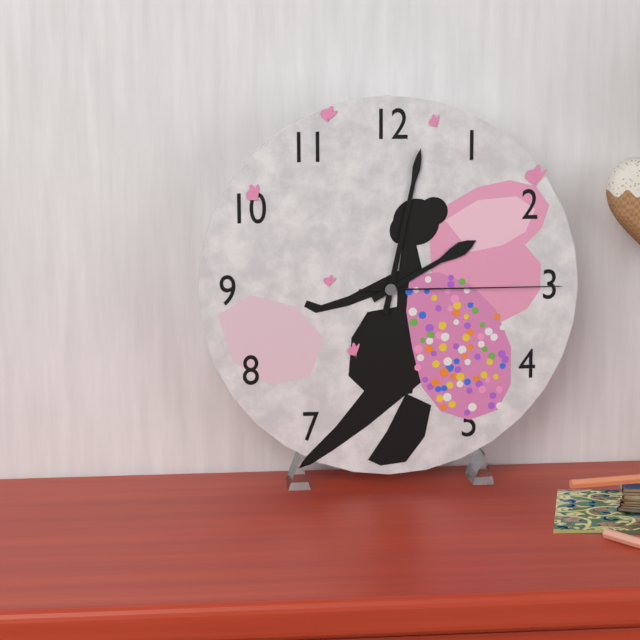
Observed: 2 h 02 min 15 s
